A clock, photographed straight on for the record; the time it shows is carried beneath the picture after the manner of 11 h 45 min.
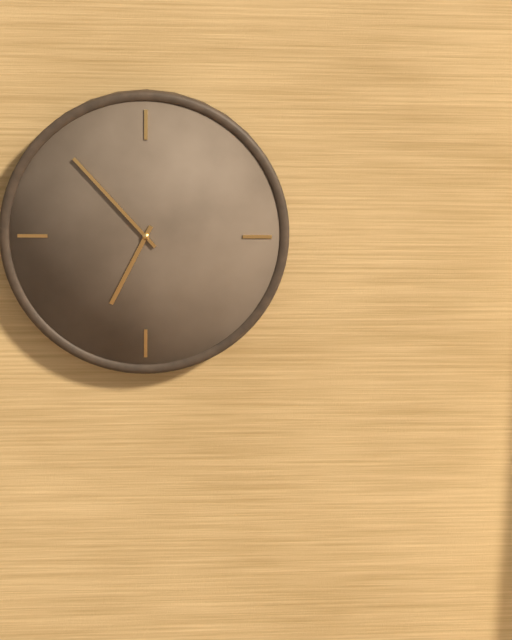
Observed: 6 h 53 min
